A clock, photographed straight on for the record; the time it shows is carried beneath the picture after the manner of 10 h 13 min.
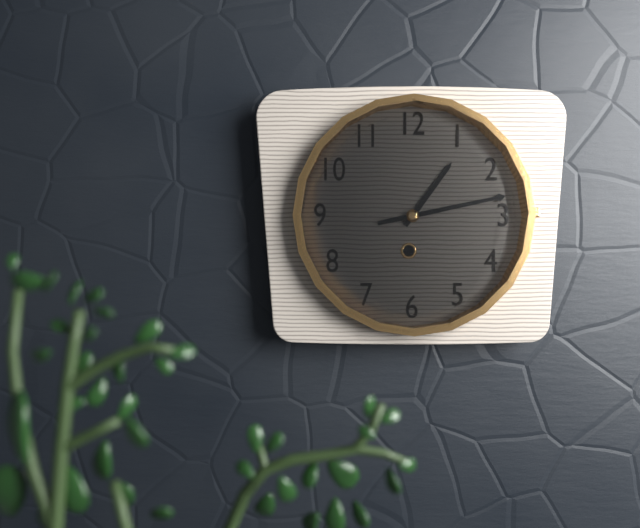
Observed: 1 h 13 min
